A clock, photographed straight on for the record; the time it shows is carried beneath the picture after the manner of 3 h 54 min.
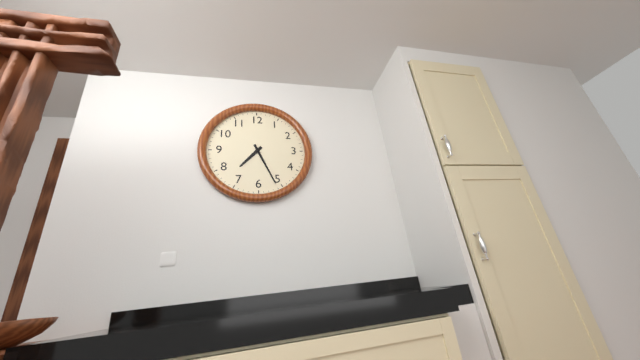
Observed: 7 h 26 min
